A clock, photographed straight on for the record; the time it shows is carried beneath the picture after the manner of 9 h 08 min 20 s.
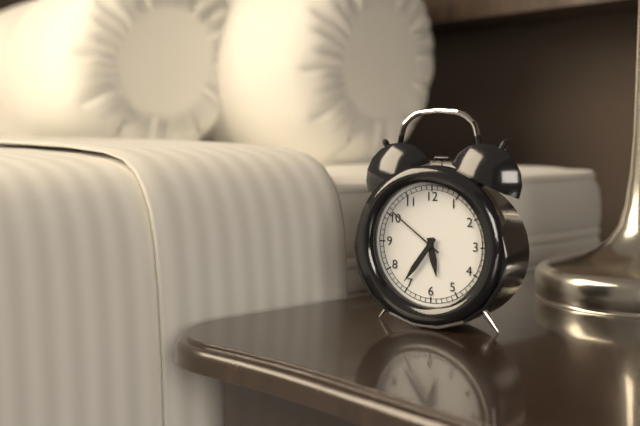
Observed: 5 h 36 min 51 s
